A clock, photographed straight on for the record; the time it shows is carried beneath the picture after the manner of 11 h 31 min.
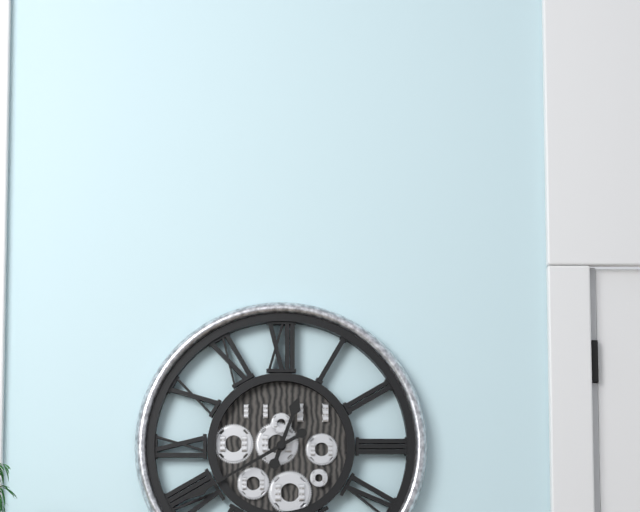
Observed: 12 h 40 min
